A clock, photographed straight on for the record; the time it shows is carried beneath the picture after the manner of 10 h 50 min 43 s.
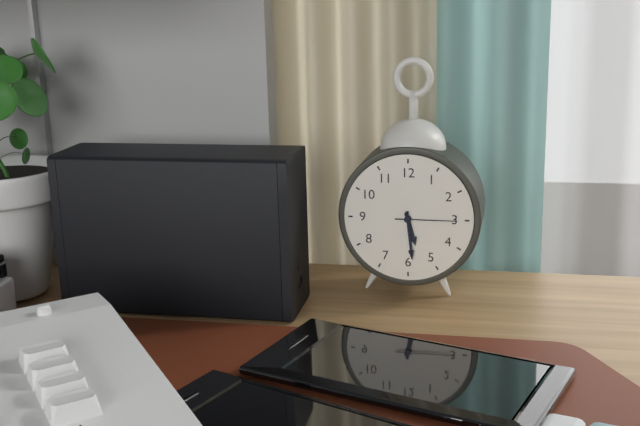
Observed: 5 h 29 min 15 s
